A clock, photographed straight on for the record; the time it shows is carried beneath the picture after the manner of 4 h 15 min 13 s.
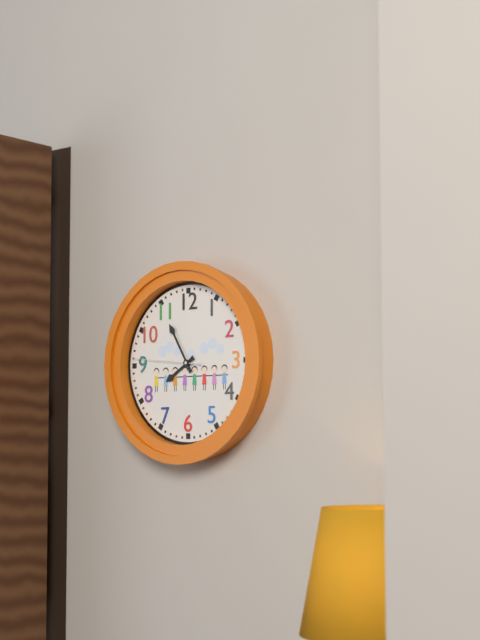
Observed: 7 h 55 min 46 s
